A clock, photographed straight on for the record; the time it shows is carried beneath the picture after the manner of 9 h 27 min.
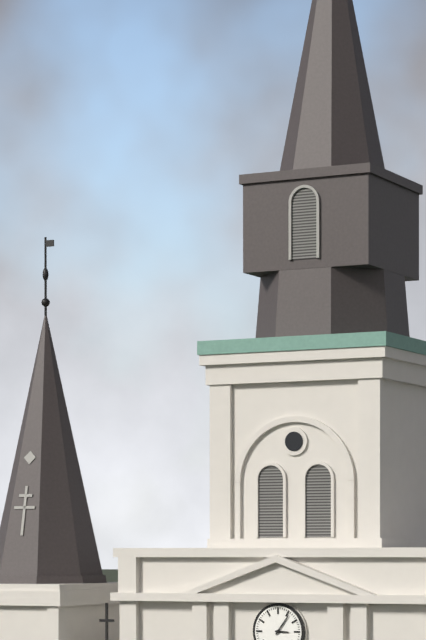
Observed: 3 h 06 min
